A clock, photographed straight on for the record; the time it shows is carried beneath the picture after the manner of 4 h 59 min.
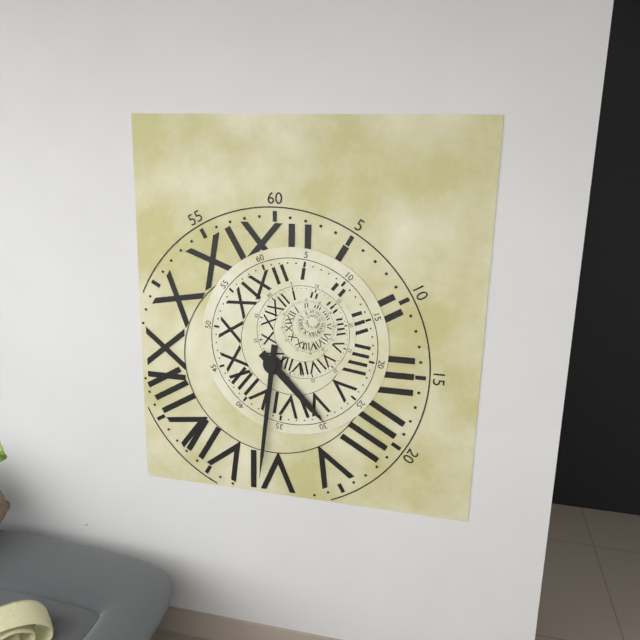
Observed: 4 h 31 min
